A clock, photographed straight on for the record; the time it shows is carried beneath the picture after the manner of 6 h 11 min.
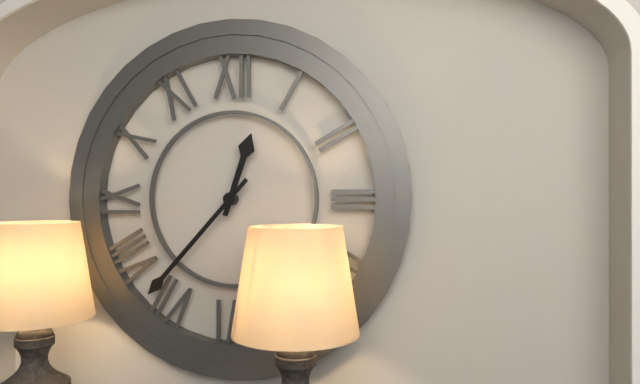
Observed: 12 h 37 min
